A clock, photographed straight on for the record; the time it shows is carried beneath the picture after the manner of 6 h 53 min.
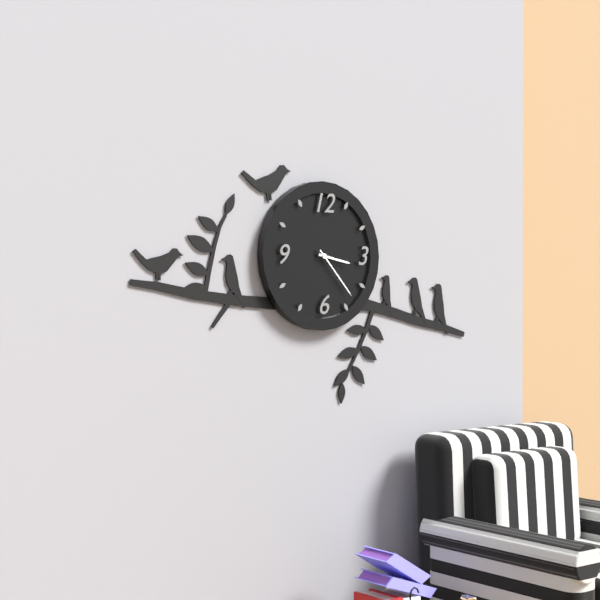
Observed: 3 h 23 min
